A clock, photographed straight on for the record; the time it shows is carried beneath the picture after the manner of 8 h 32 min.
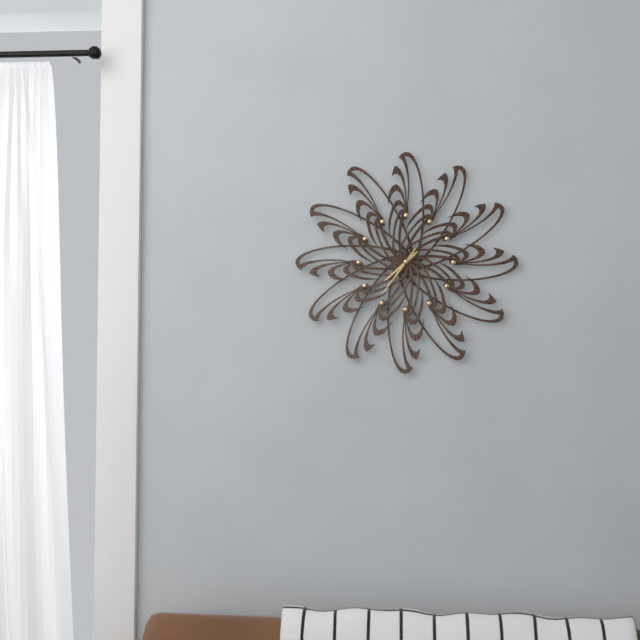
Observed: 7 h 36 min
